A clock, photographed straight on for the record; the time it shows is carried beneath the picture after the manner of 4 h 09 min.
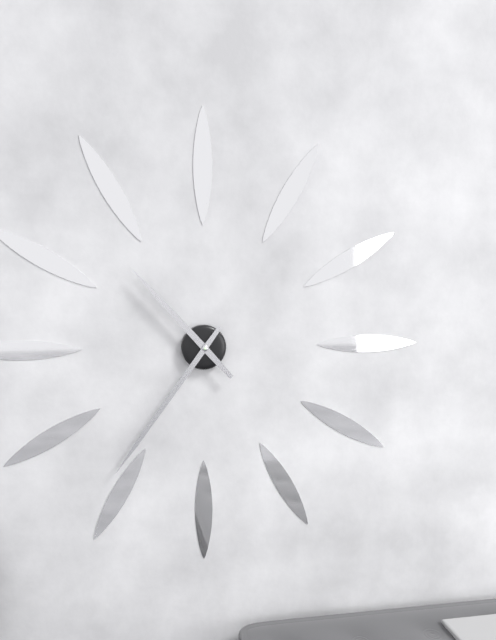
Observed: 10 h 36 min
